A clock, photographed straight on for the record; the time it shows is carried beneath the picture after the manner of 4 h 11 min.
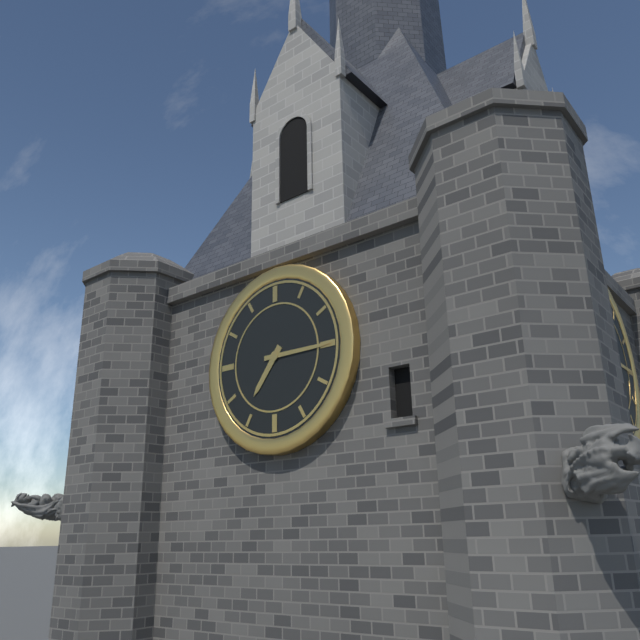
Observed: 7 h 15 min
